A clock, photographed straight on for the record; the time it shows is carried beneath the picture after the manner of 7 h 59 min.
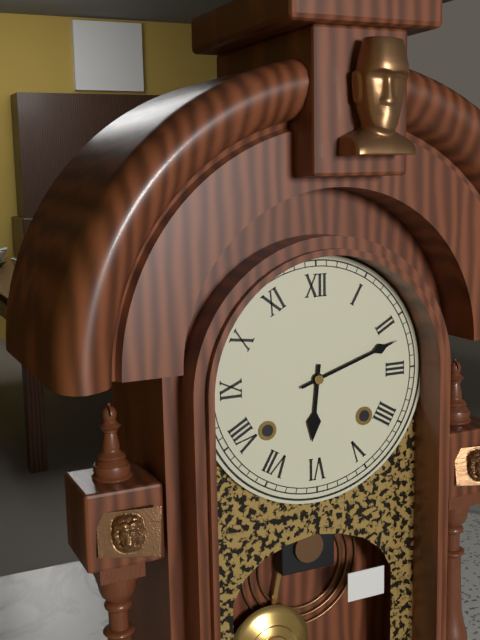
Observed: 6 h 12 min
